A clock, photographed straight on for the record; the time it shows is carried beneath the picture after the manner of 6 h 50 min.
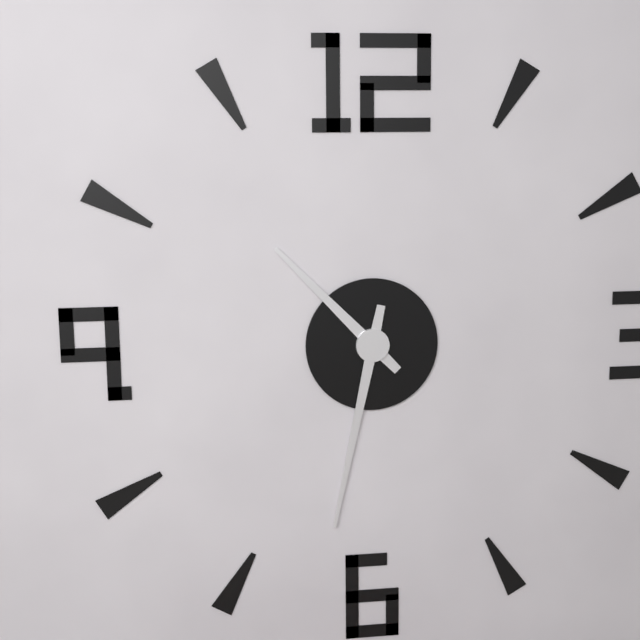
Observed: 10 h 32 min
